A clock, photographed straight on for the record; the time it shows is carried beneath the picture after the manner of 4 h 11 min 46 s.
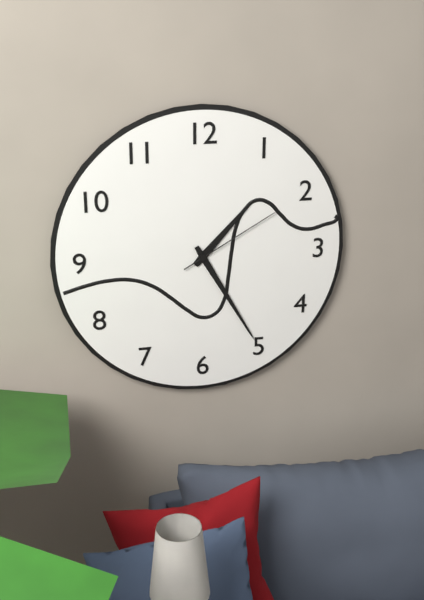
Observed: 1 h 25 min 10 s
